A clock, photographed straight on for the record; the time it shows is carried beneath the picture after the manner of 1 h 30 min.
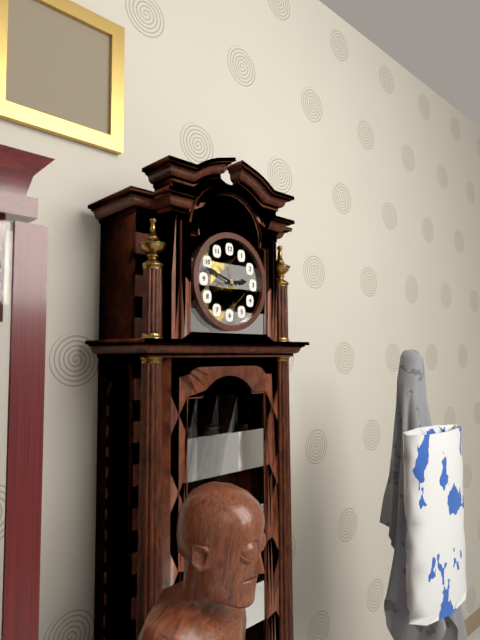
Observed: 2 h 48 min
